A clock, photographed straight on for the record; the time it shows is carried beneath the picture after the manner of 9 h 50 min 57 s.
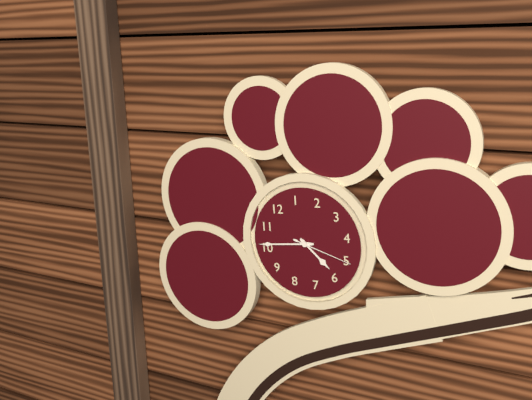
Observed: 5 h 51 min 25 s
